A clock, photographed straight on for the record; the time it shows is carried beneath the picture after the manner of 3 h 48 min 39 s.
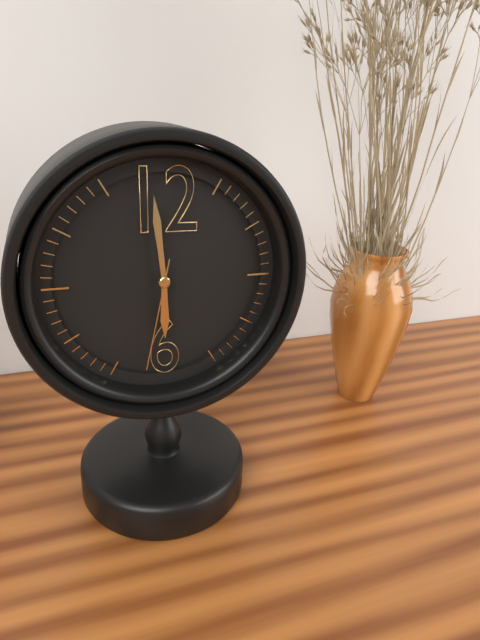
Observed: 5 h 59 min 32 s
